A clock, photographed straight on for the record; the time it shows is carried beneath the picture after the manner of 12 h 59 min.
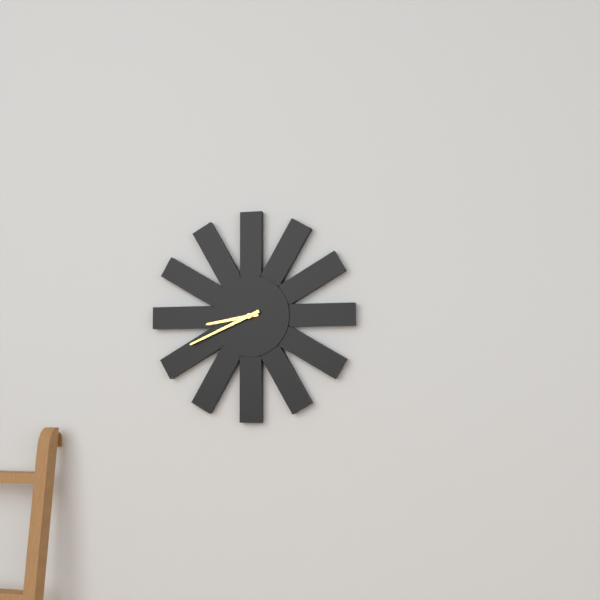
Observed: 8 h 41 min
